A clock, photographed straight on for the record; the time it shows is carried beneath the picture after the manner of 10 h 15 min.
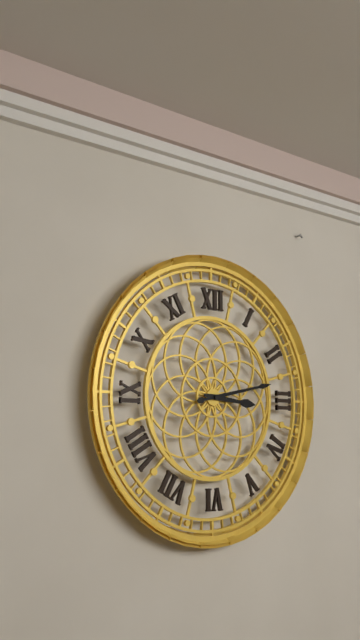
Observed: 3 h 13 min
